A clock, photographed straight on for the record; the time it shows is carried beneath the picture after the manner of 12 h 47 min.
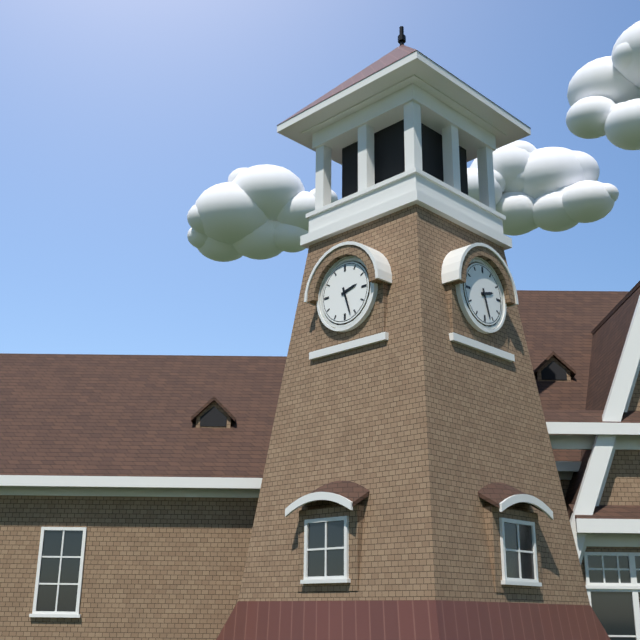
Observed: 2 h 27 min
